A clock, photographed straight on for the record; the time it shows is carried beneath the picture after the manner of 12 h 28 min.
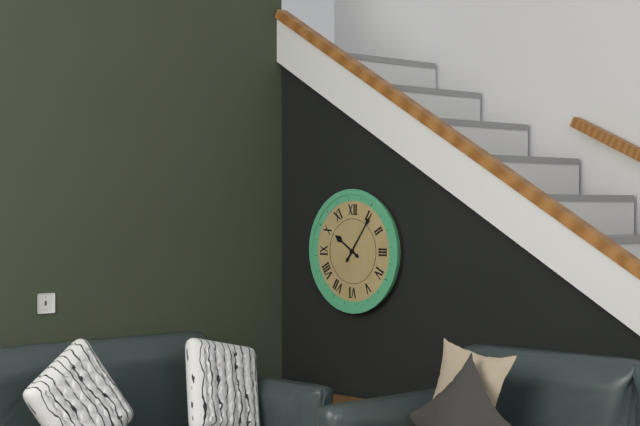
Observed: 10 h 06 min
